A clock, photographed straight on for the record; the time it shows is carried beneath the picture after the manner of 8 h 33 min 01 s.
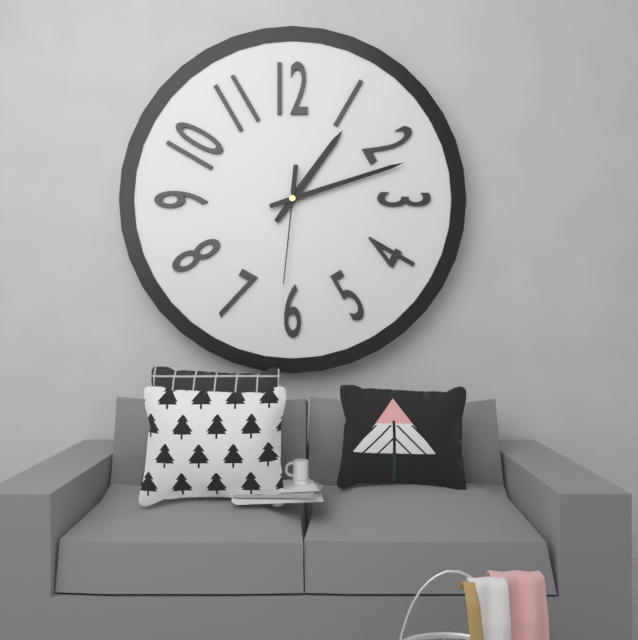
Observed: 1 h 12 min 31 s
